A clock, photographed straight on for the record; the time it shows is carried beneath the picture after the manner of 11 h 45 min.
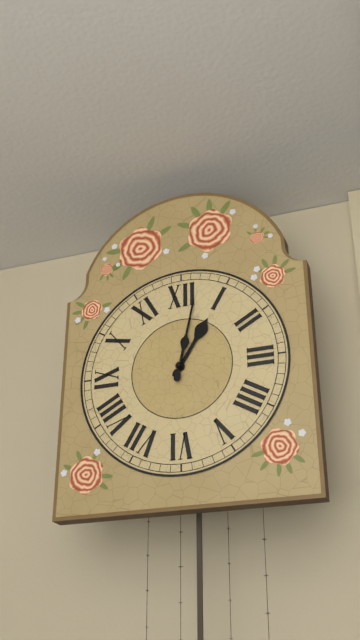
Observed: 1 h 02 min
